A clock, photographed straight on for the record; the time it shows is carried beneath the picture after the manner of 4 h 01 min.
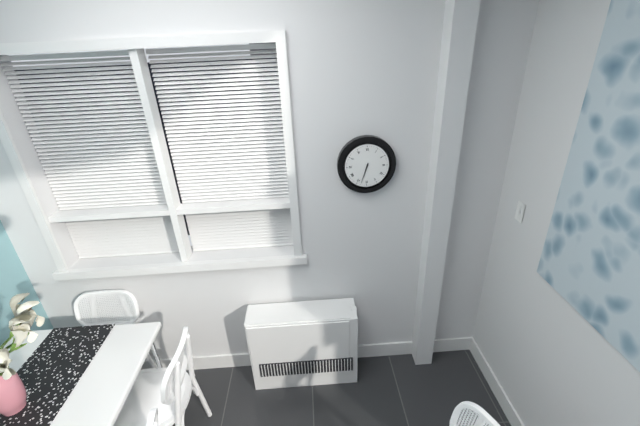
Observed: 6 h 33 min
